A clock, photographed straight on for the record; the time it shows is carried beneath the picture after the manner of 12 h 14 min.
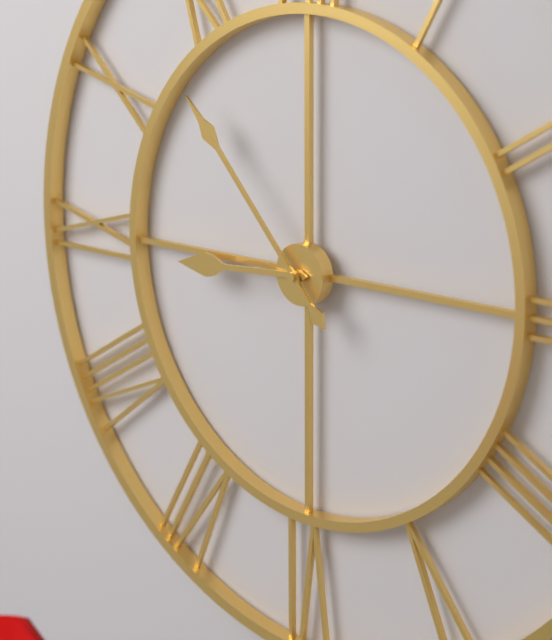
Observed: 8 h 53 min
